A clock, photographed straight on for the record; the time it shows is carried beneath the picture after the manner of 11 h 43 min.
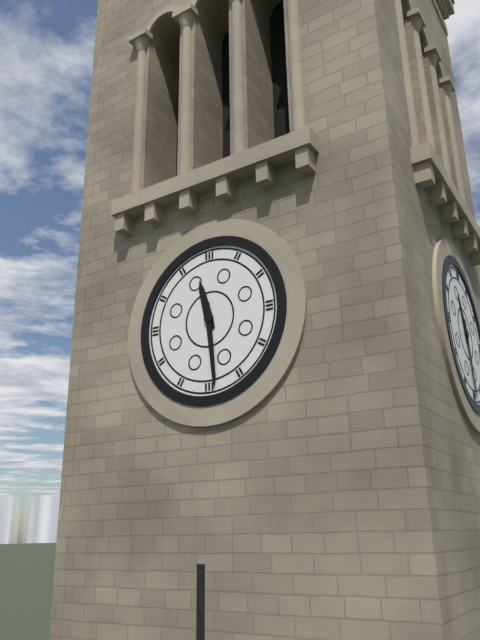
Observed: 11 h 29 min
